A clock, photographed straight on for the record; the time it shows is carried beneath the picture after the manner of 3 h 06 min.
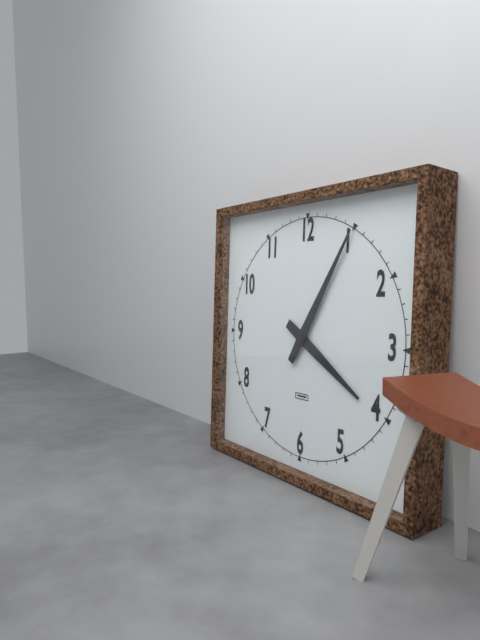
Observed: 4 h 05 min
